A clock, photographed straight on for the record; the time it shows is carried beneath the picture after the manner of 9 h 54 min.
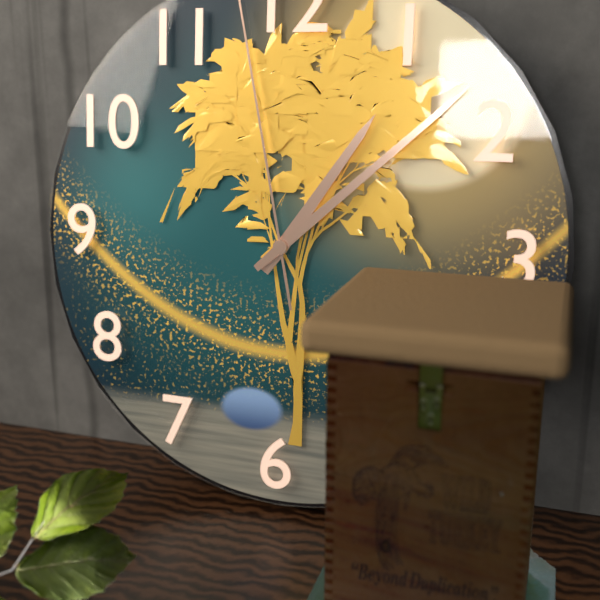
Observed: 1 h 08 min
